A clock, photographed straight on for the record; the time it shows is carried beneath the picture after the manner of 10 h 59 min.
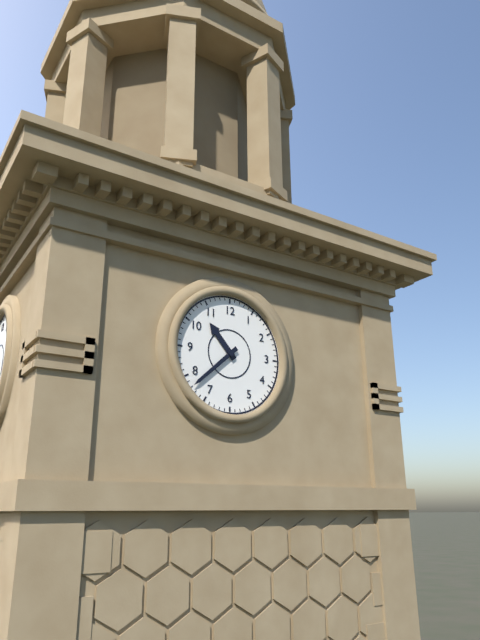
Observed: 10 h 38 min
